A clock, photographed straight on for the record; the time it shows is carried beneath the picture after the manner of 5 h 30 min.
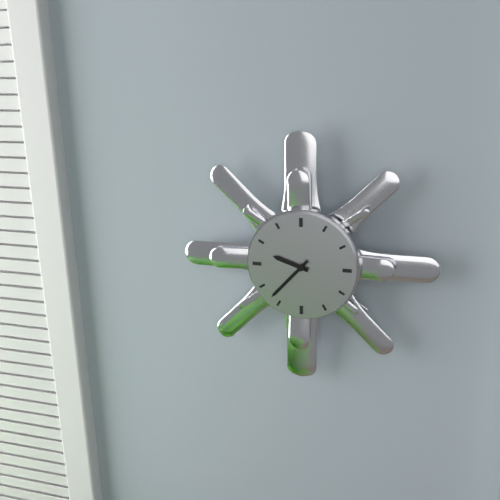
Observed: 9 h 37 min
